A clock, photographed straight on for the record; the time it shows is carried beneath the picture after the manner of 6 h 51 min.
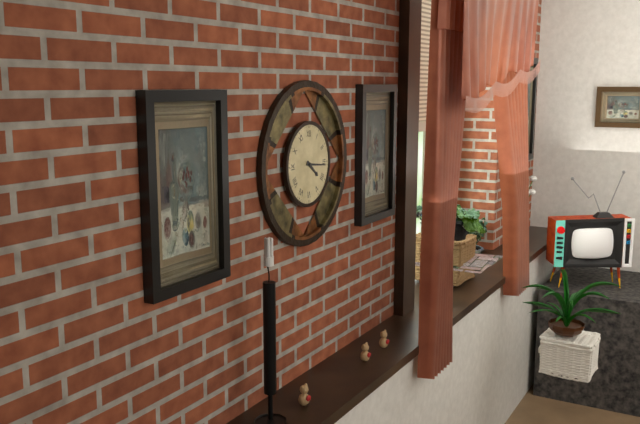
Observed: 4 h 16 min
